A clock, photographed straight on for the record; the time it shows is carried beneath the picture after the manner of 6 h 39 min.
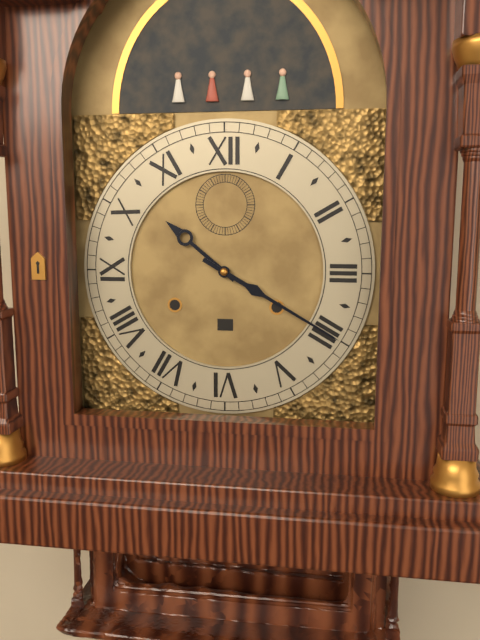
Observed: 10 h 20 min
